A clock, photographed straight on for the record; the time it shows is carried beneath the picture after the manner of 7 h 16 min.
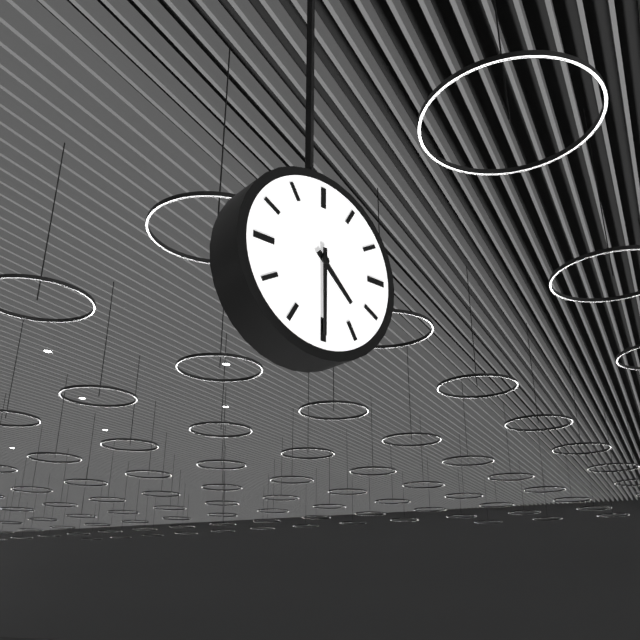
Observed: 4 h 30 min
